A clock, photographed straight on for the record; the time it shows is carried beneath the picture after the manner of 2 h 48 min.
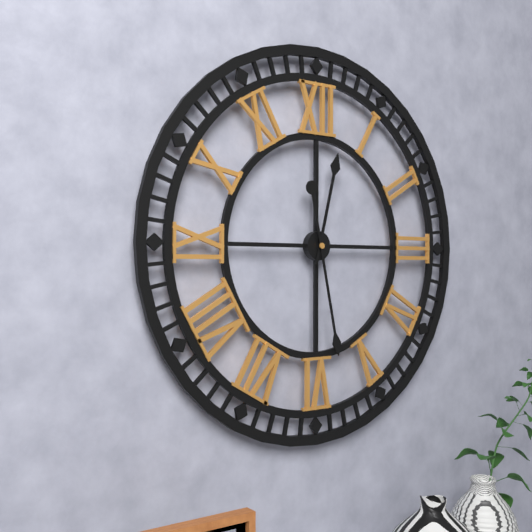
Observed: 12 h 28 min
